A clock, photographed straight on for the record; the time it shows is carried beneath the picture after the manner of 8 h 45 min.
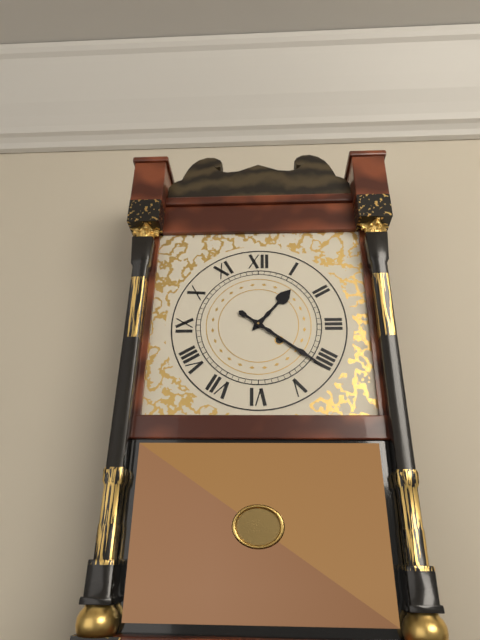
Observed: 1 h 21 min
